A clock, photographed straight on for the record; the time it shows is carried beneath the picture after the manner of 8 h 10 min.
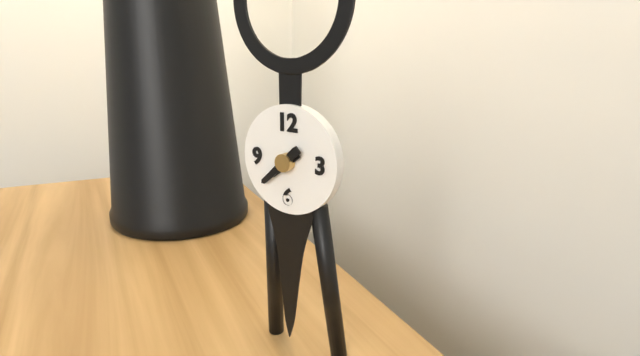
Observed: 7 h 38 min
